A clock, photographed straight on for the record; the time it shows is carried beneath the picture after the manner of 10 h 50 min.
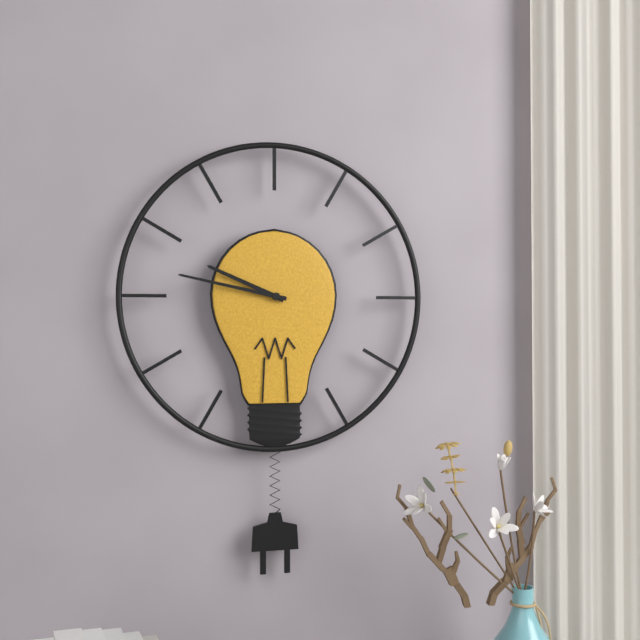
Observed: 9 h 47 min
